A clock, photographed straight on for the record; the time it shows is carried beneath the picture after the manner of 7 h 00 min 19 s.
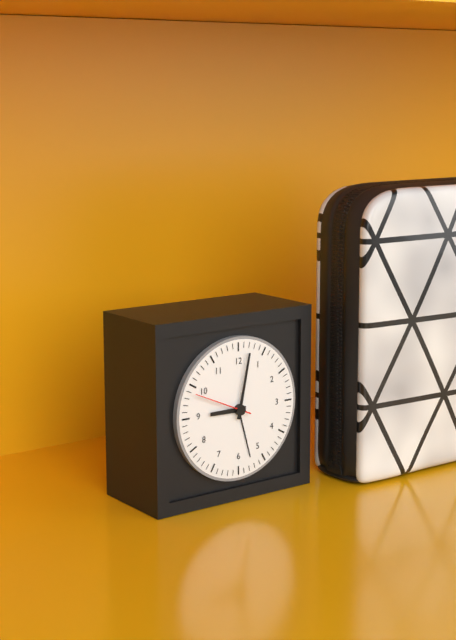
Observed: 9 h 02 min 49 s
